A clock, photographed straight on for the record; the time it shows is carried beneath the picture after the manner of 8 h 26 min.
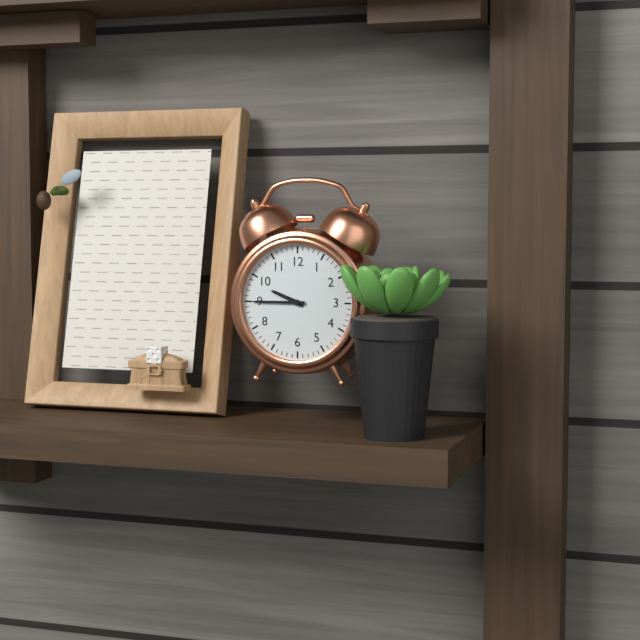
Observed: 9 h 45 min
